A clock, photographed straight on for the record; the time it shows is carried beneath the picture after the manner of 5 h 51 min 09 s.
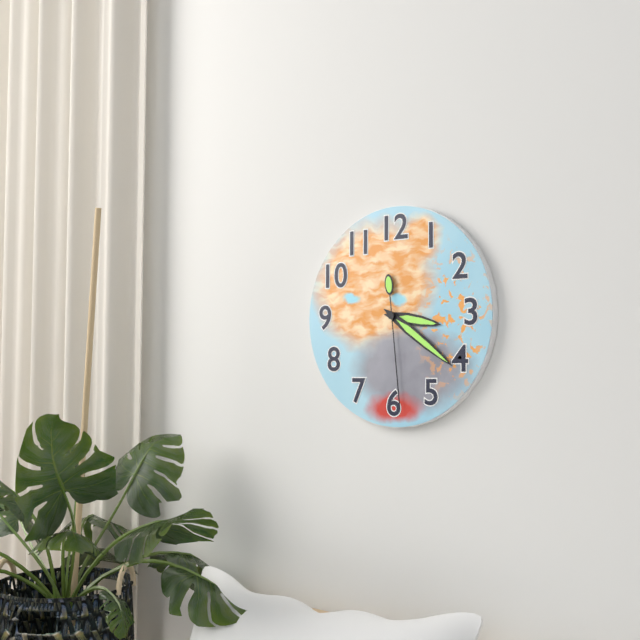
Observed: 3 h 21 min 29 s
